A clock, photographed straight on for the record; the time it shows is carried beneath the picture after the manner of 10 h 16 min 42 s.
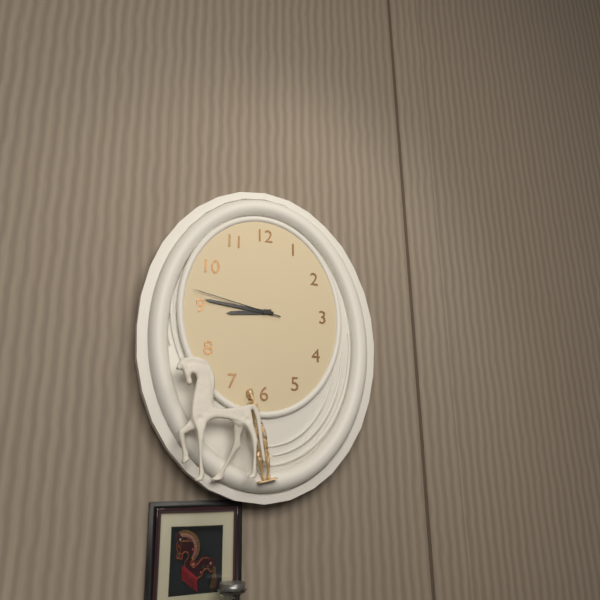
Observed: 8 h 46 min 47 s
